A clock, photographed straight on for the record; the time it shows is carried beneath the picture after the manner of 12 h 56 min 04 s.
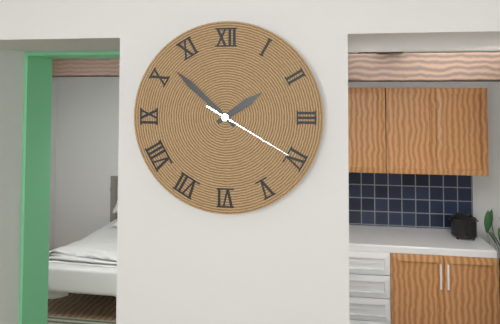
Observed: 1 h 52 min 20 s
